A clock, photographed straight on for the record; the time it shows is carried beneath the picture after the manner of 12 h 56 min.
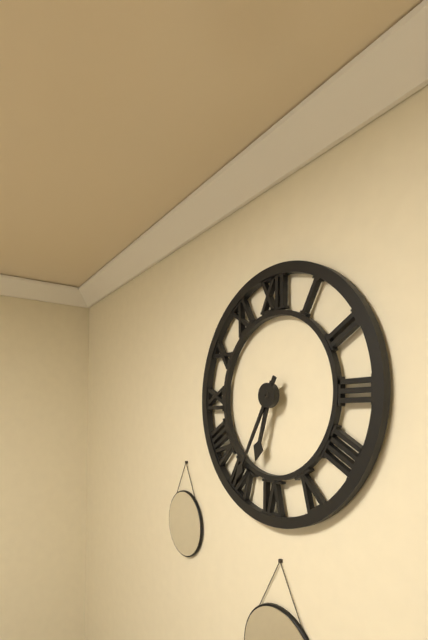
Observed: 6 h 35 min
